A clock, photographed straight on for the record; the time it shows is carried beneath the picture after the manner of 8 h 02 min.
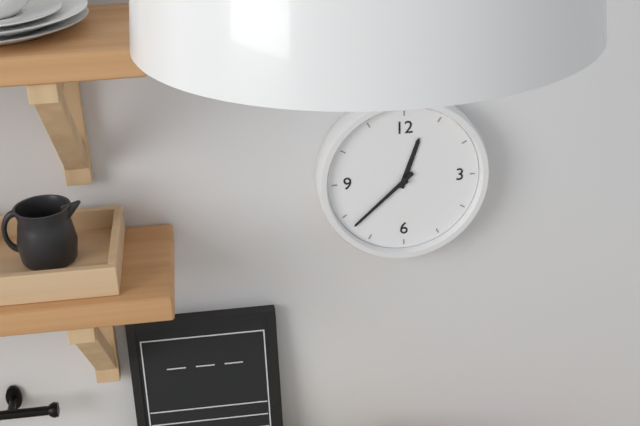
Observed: 12 h 38 min
